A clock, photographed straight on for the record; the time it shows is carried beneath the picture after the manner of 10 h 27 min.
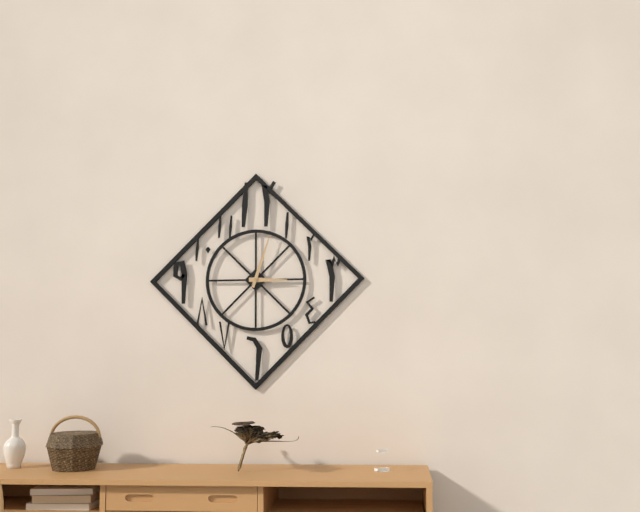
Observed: 3 h 03 min
